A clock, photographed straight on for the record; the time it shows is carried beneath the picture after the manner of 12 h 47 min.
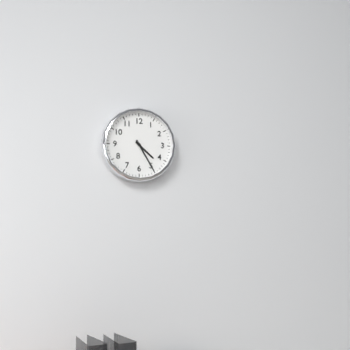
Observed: 4 h 25 min
